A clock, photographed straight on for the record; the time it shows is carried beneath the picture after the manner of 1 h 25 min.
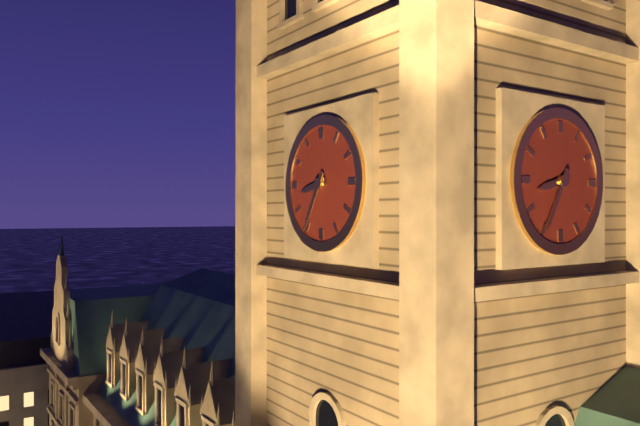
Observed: 8 h 35 min
